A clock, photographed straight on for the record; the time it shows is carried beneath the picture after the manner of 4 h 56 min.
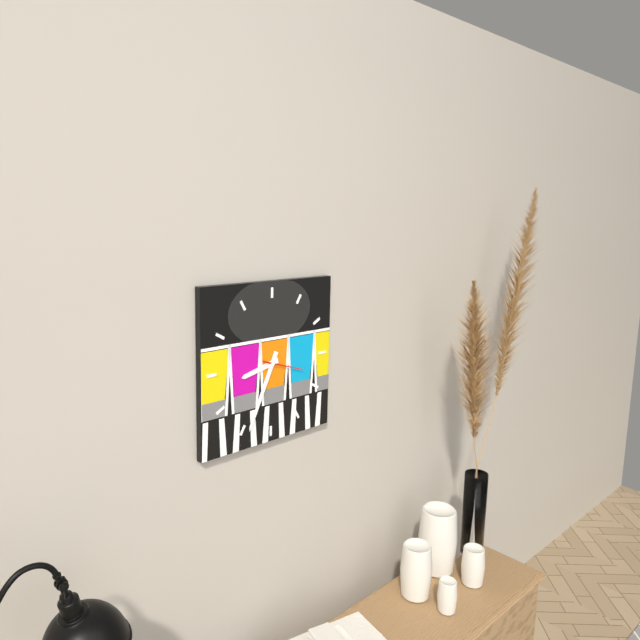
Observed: 8 h 34 min
